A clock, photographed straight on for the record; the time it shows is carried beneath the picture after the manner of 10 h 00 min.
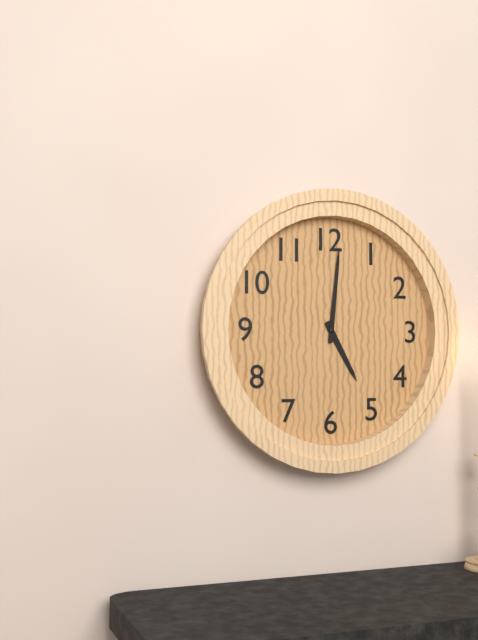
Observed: 5 h 01 min
